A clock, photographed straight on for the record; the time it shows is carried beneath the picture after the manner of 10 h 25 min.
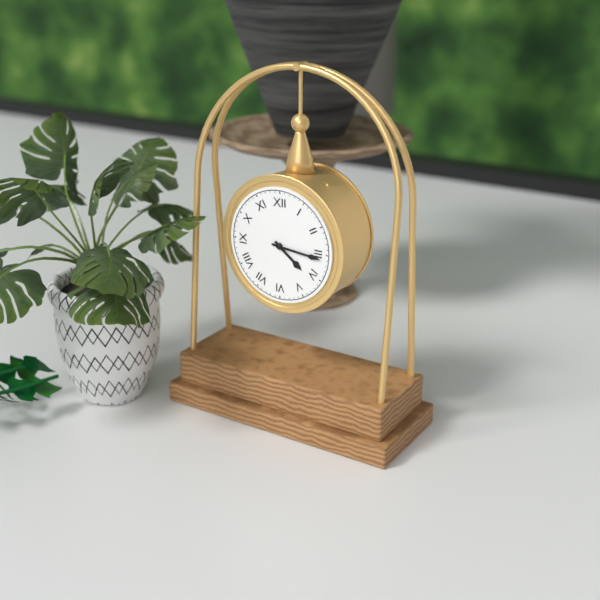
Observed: 4 h 16 min
